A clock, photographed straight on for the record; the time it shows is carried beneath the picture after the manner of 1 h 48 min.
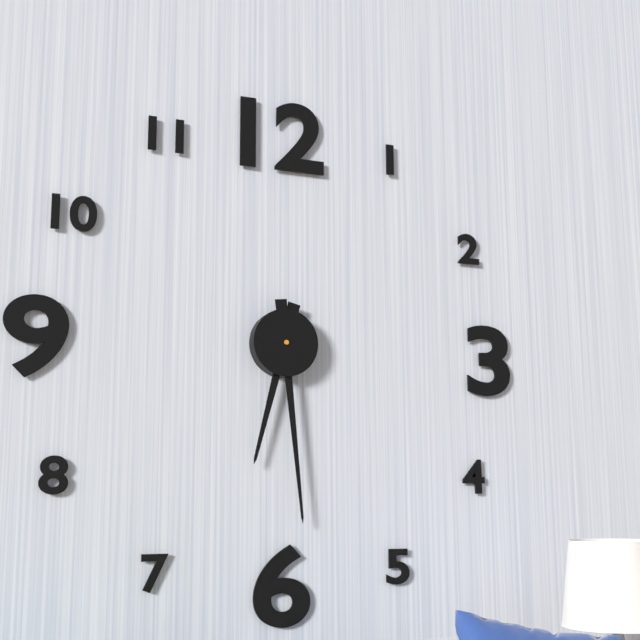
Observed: 6 h 29 min
